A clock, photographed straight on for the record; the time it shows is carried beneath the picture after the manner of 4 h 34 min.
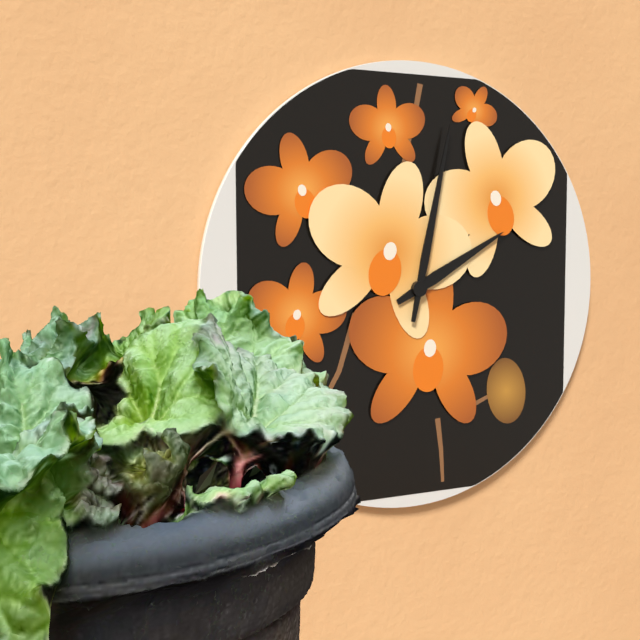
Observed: 2 h 02 min
